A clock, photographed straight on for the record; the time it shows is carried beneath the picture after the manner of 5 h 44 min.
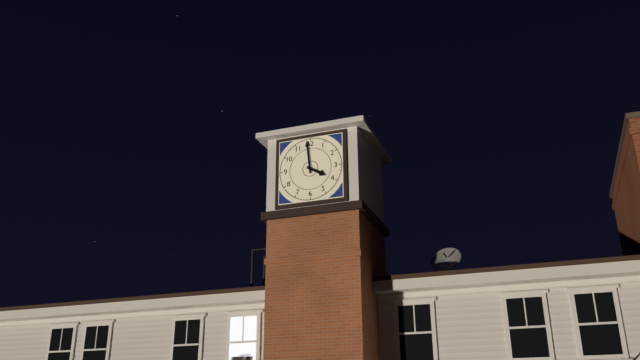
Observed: 3 h 59 min
